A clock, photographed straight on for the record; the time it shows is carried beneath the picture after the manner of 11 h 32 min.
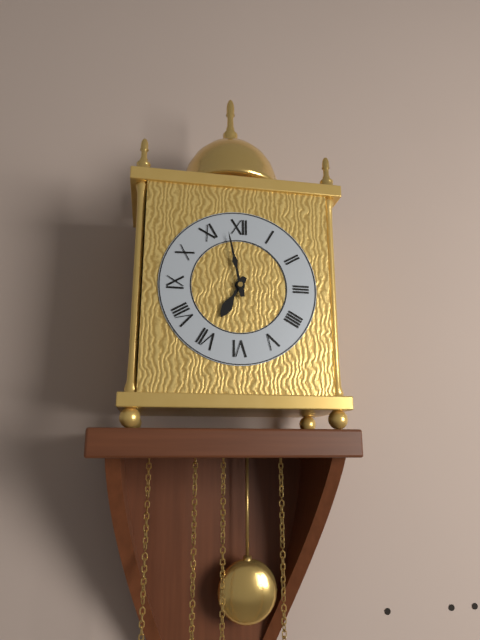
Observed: 6 h 58 min
